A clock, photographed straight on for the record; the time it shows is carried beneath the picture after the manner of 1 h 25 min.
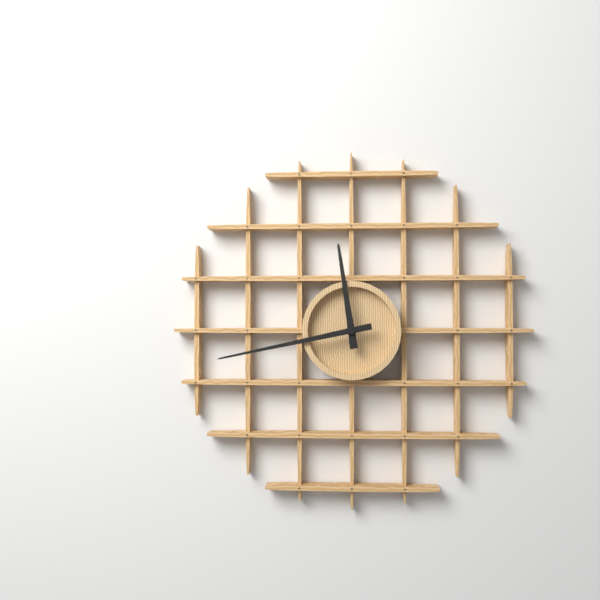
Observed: 11 h 43 min
